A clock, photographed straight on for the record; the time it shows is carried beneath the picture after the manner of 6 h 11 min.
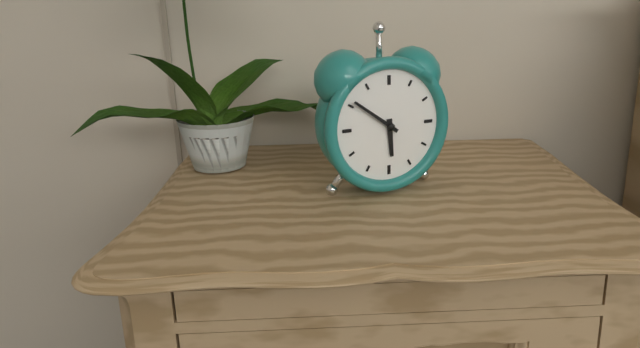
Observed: 5 h 51 min
